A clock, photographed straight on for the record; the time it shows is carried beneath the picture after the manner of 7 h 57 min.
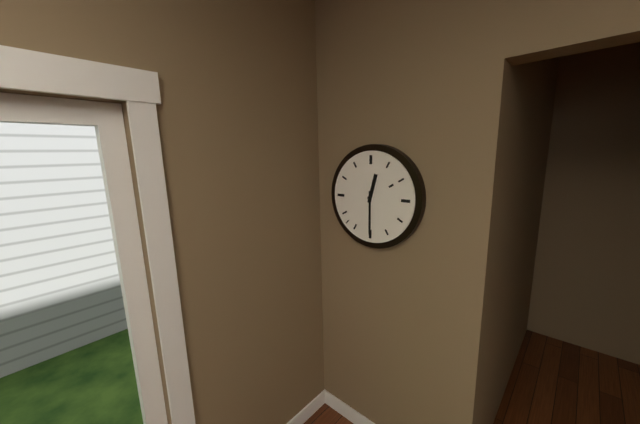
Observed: 12 h 30 min
